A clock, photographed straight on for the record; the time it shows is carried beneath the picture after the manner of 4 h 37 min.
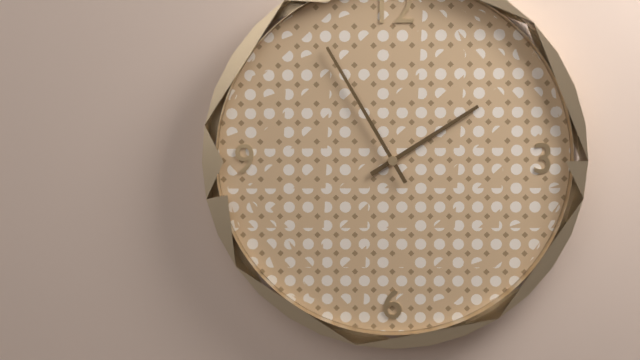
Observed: 1 h 55 min
